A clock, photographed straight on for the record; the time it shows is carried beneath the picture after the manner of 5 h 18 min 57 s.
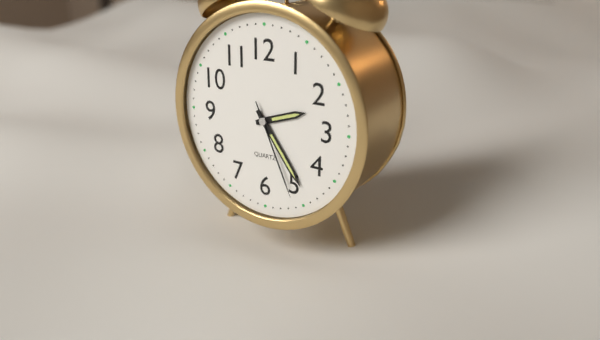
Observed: 2 h 24 min 26 s
